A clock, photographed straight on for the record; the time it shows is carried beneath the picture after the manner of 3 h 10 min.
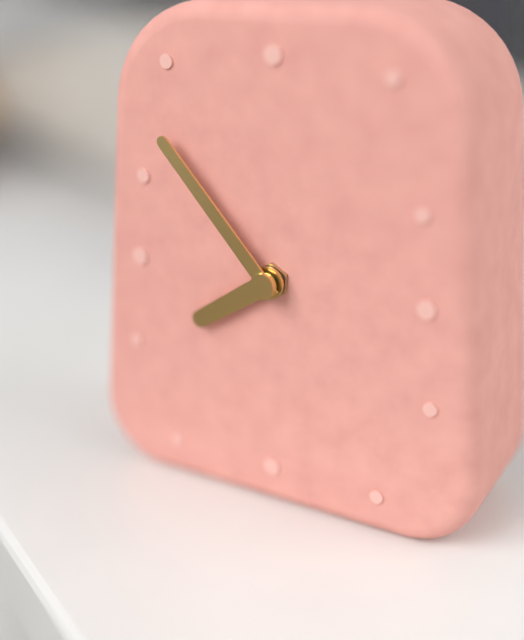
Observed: 7 h 53 min
